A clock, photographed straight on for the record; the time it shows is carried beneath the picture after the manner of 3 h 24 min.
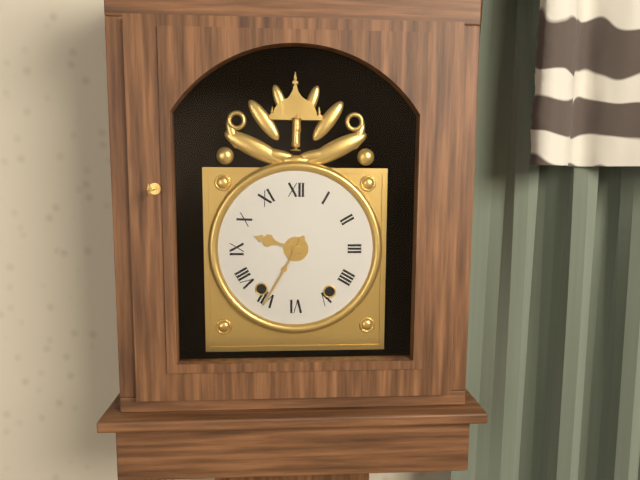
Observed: 9 h 35 min
